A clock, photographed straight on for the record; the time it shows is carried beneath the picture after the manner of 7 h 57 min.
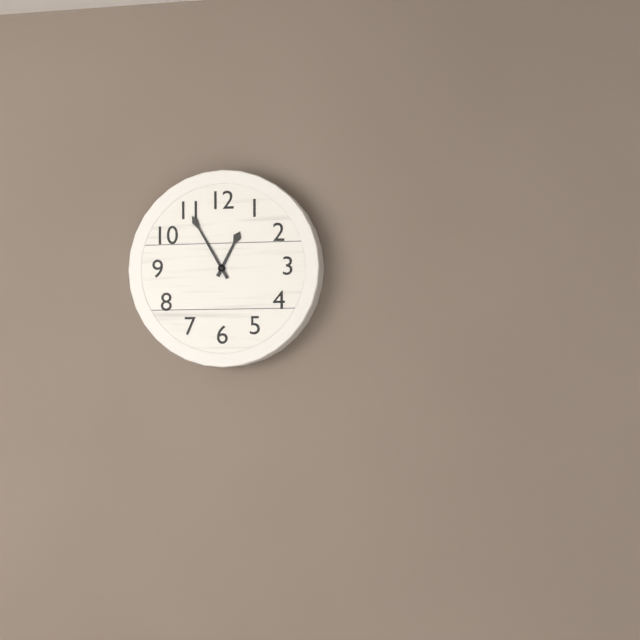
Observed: 12 h 55 min
